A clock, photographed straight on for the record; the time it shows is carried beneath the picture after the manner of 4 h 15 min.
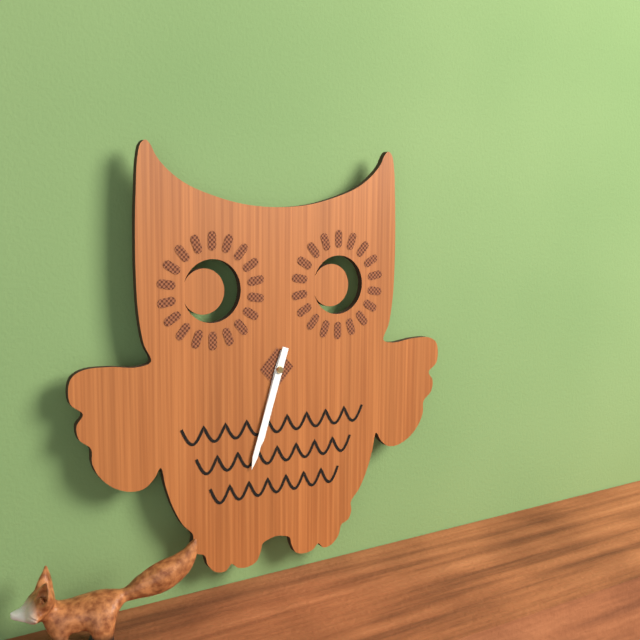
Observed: 6 h 33 min
